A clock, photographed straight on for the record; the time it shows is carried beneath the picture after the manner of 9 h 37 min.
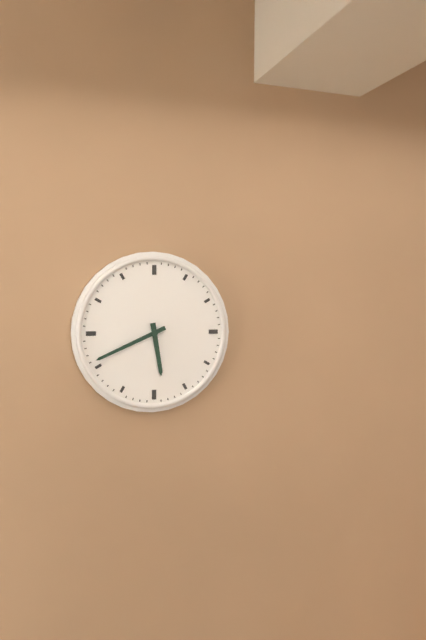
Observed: 5 h 41 min
